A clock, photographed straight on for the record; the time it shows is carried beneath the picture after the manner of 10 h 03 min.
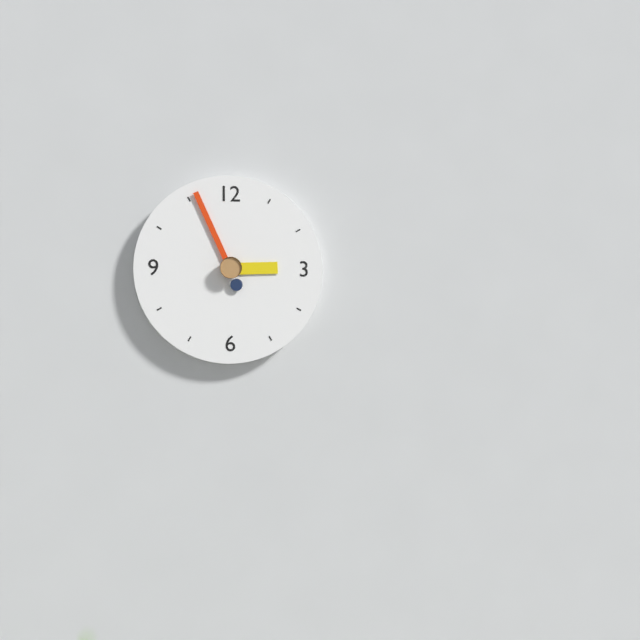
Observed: 2 h 56 min
